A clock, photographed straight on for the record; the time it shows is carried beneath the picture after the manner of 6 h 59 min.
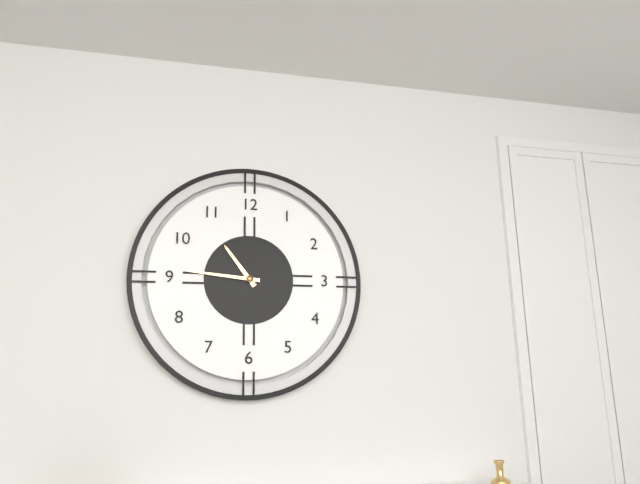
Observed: 10 h 46 min
